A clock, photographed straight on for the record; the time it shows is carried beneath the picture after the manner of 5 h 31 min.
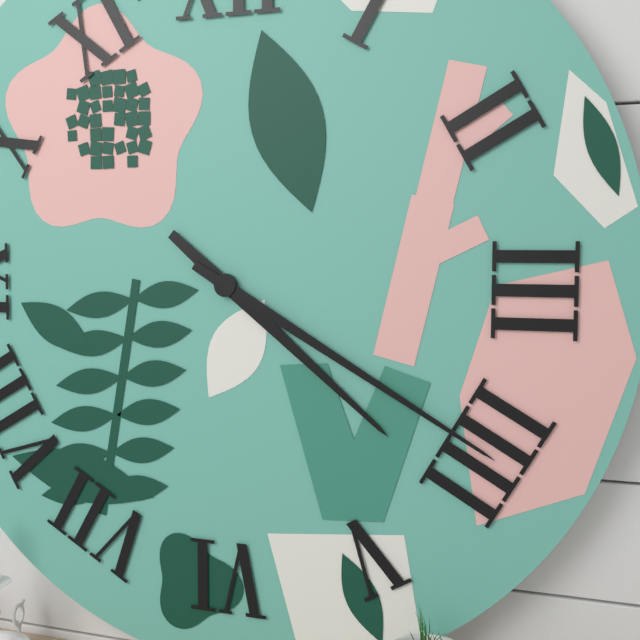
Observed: 4 h 20 min
